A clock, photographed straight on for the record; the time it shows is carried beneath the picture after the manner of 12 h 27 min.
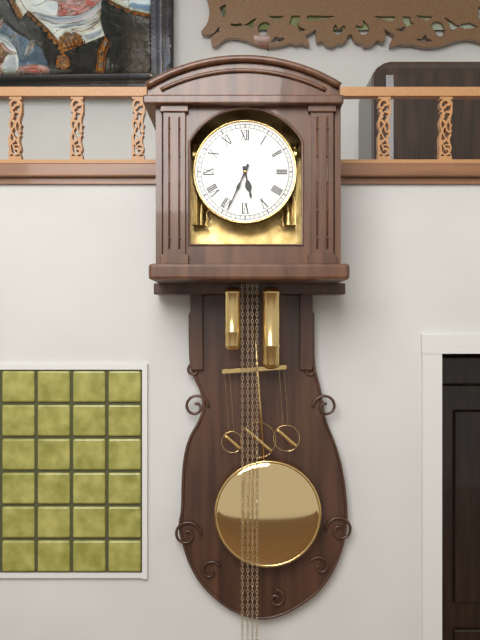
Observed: 5 h 34 min
